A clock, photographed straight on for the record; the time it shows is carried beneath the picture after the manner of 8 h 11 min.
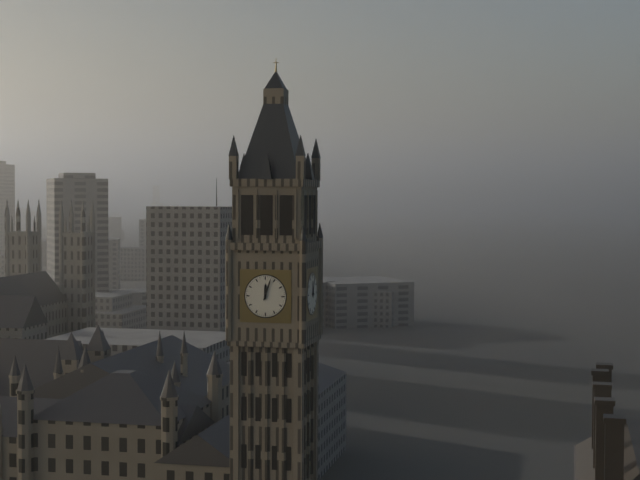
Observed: 12 h 03 min
